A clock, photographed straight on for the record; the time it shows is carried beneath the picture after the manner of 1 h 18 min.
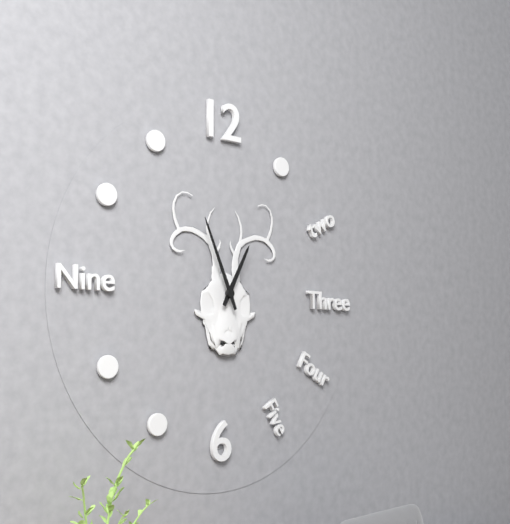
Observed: 12 h 56 min
